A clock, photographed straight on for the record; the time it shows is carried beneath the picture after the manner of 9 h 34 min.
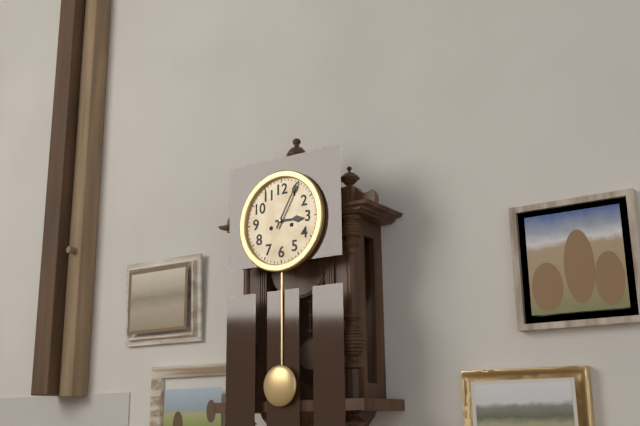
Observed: 3 h 05 min
